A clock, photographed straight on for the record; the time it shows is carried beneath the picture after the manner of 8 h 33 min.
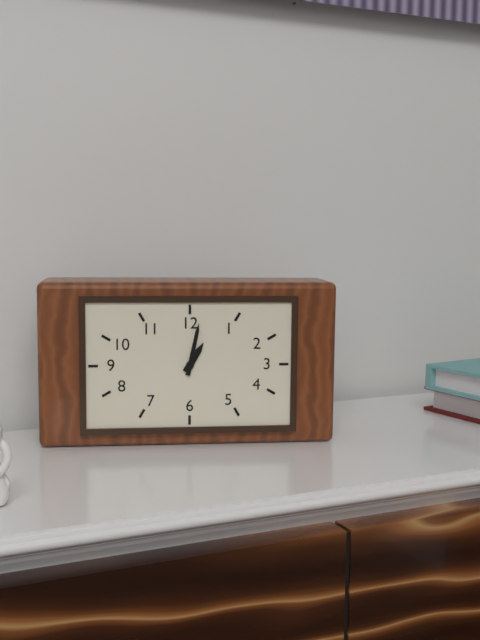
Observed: 1 h 02 min
